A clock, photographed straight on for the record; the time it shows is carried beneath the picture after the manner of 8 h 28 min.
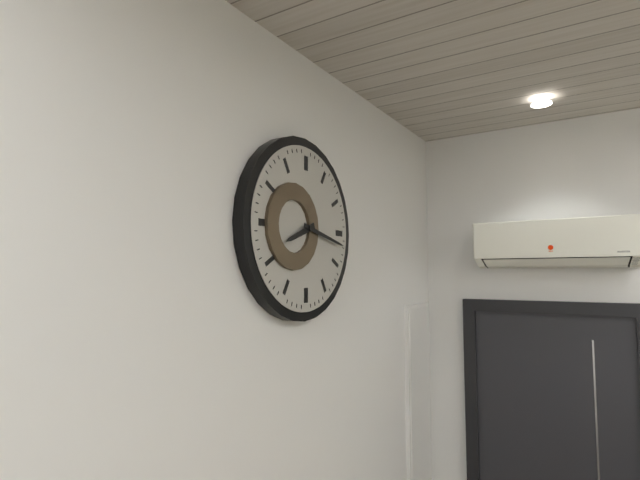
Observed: 8 h 17 min
